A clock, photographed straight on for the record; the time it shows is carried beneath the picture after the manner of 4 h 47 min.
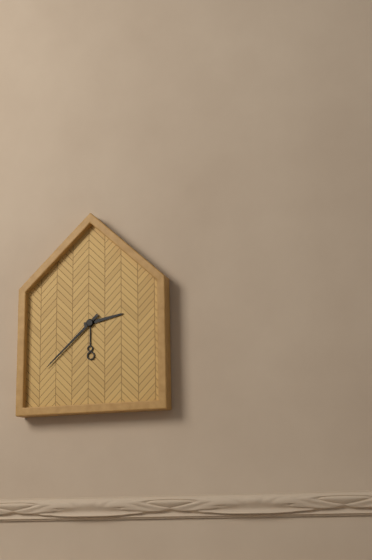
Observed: 2 h 38 min
